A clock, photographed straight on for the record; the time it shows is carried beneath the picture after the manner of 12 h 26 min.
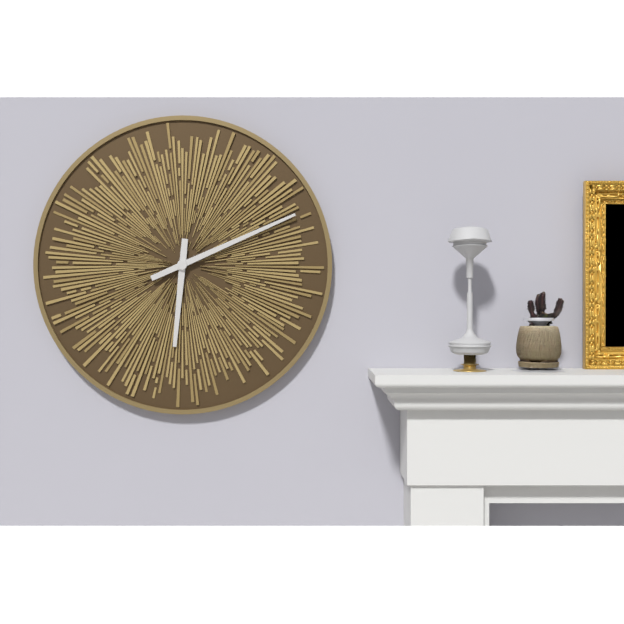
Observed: 6 h 11 min
